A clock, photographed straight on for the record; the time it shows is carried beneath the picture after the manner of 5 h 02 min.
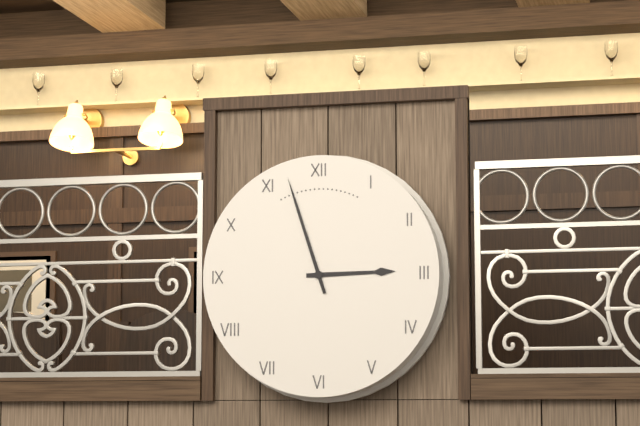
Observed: 2 h 57 min
